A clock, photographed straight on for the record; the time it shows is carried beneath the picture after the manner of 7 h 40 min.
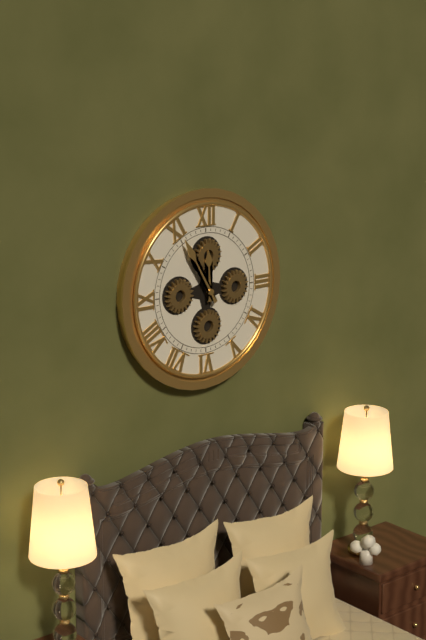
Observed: 11 h 55 min
